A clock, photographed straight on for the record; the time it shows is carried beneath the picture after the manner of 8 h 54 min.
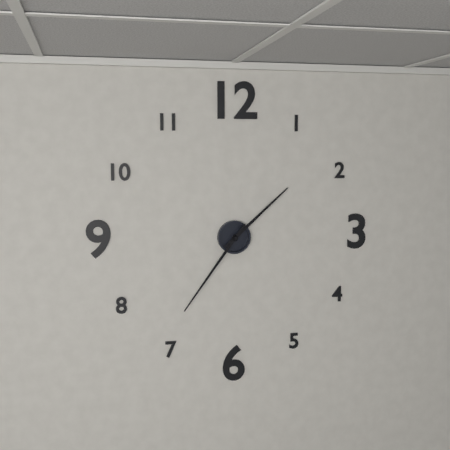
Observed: 1 h 36 min
